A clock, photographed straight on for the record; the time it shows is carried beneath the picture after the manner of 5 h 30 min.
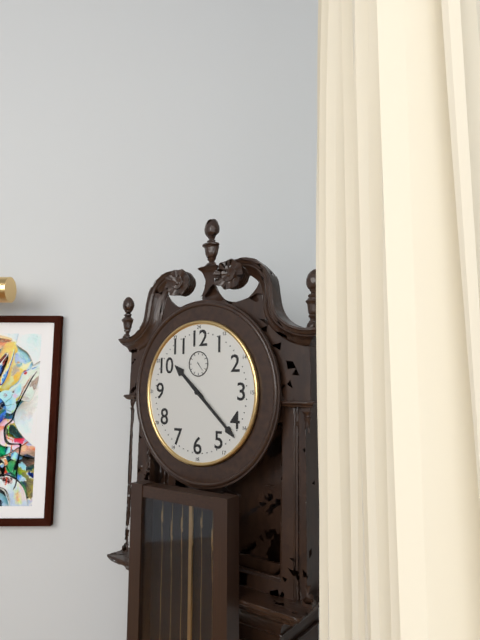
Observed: 10 h 22 min
